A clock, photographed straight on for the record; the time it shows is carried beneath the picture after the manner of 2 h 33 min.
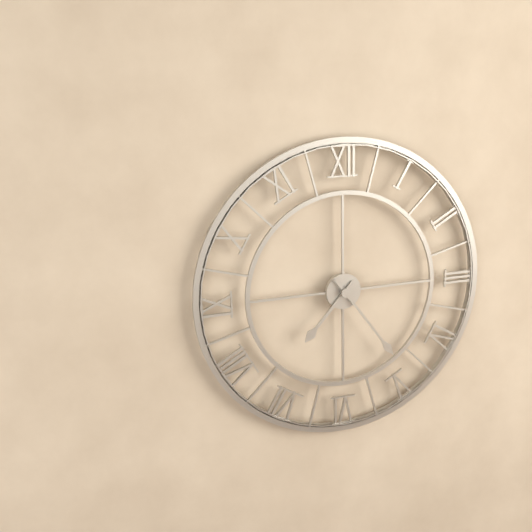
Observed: 7 h 24 min
